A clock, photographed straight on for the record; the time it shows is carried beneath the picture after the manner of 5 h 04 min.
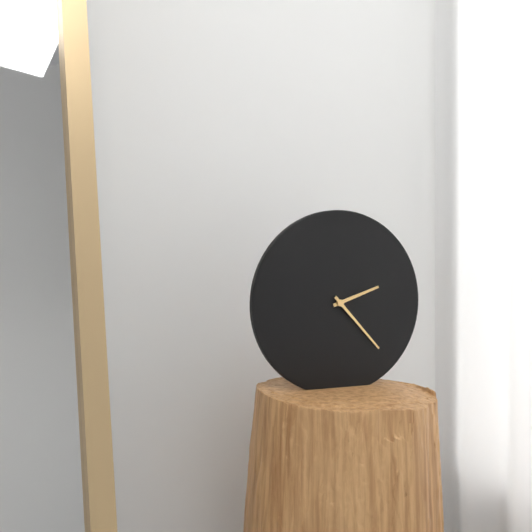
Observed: 2 h 23 min
